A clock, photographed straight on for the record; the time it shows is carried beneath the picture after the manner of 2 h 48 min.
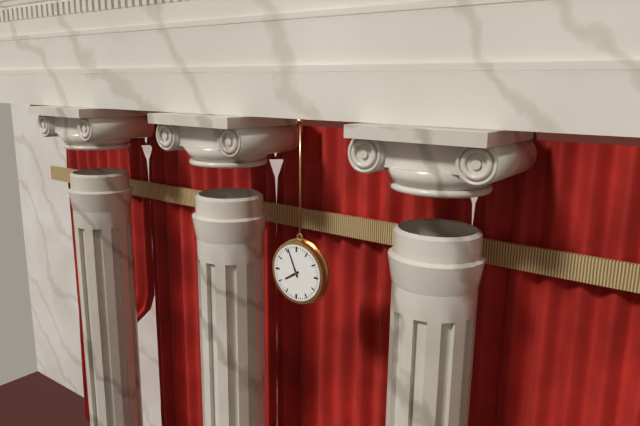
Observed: 7 h 56 min
